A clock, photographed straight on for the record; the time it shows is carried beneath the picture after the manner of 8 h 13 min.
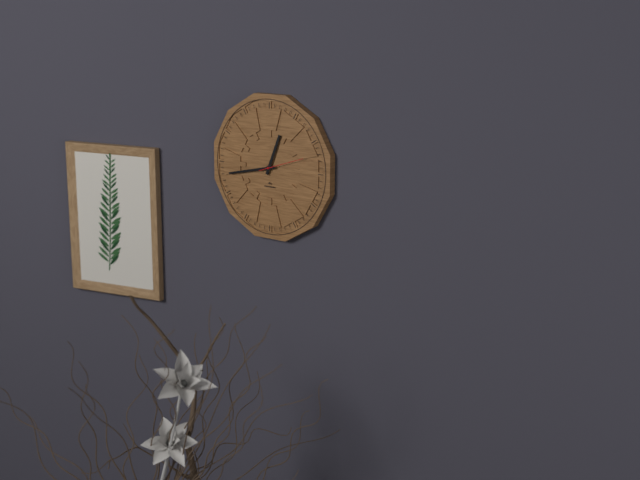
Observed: 12 h 43 min
